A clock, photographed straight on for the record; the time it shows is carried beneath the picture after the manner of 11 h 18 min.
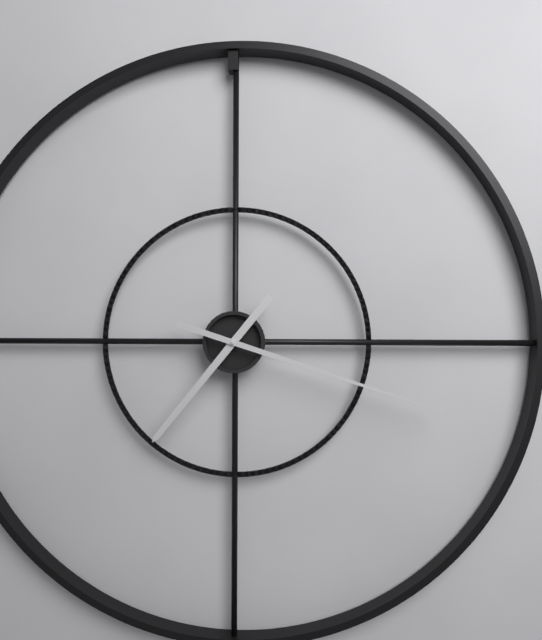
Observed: 7 h 18 min
